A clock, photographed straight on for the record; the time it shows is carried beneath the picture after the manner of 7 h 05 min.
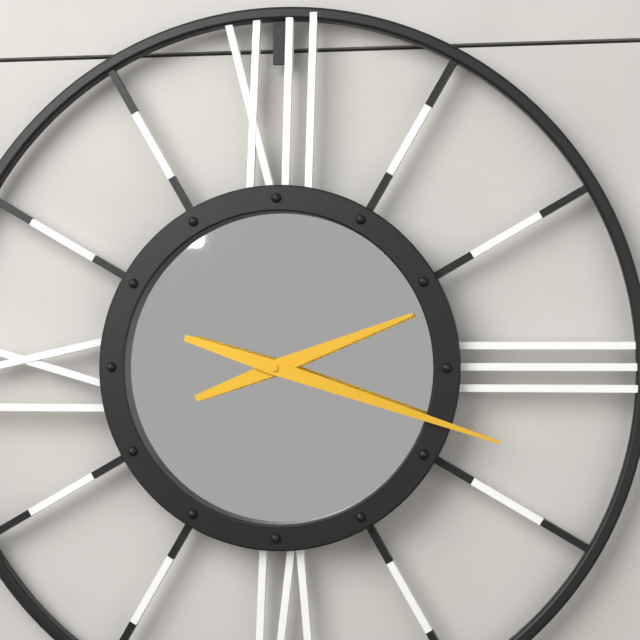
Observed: 2 h 18 min
